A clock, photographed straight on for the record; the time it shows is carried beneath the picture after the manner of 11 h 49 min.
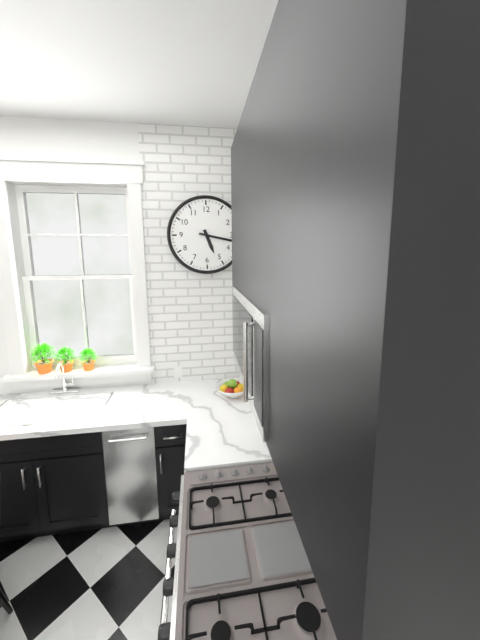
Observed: 5 h 17 min
